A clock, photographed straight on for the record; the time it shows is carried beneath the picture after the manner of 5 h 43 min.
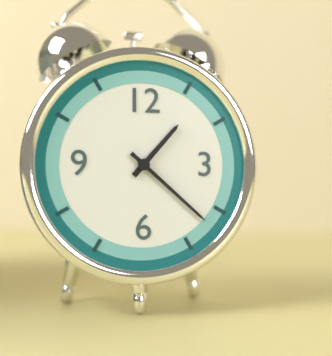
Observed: 1 h 22 min
